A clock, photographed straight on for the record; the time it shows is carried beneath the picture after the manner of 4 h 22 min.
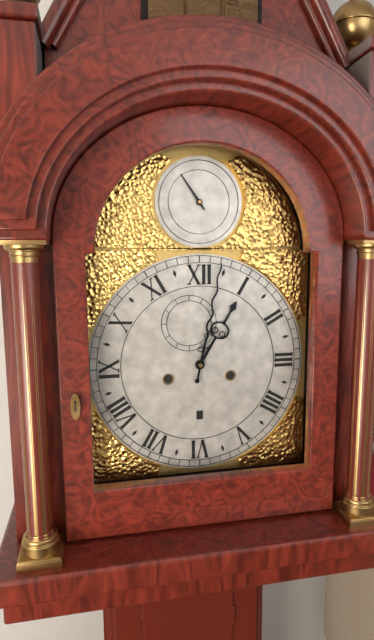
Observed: 1 h 02 min
